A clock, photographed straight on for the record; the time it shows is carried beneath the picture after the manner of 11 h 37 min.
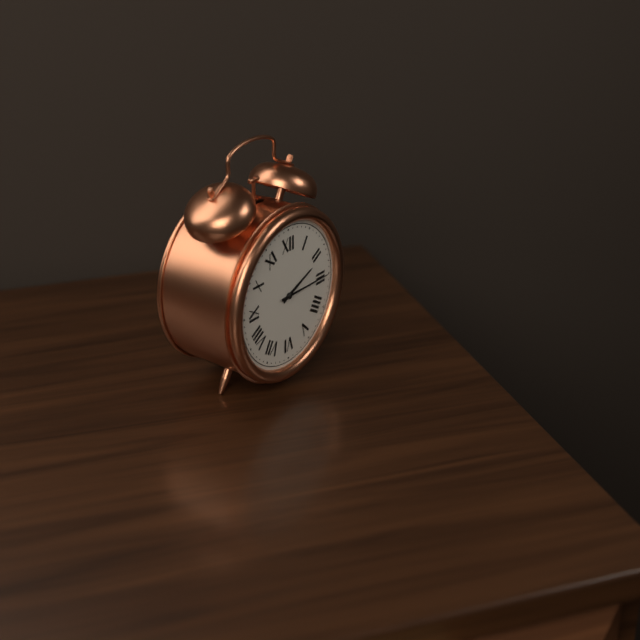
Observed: 2 h 15 min
